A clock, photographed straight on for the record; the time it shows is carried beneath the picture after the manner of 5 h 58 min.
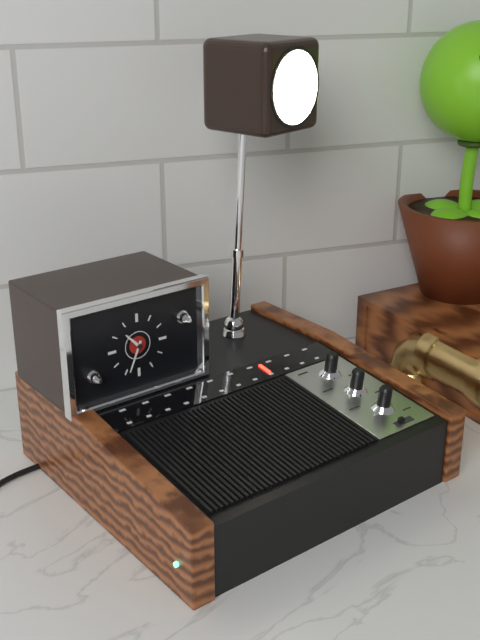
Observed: 10 h 34 min
